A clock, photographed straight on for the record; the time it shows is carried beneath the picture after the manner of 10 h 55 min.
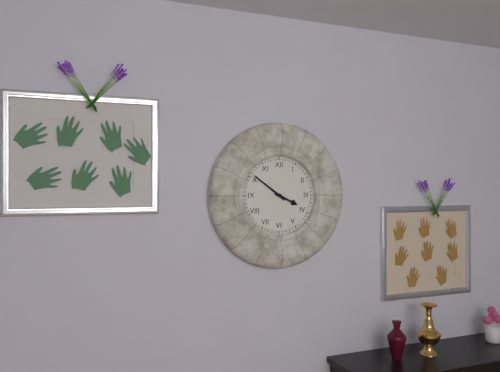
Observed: 3 h 51 min
